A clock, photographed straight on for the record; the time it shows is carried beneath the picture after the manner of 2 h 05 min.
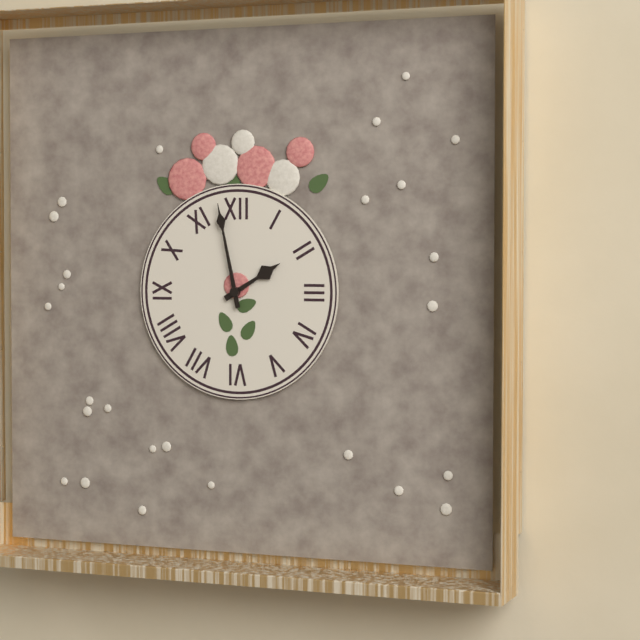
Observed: 1 h 58 min
